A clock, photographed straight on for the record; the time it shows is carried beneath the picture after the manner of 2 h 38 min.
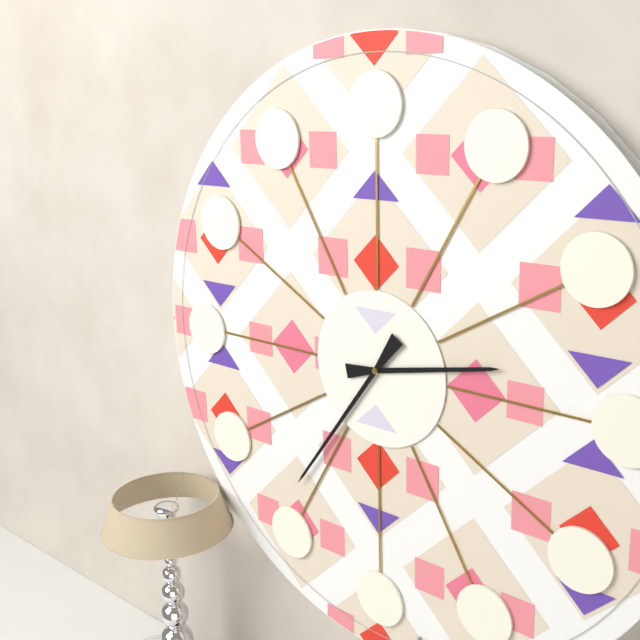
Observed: 2 h 36 min
